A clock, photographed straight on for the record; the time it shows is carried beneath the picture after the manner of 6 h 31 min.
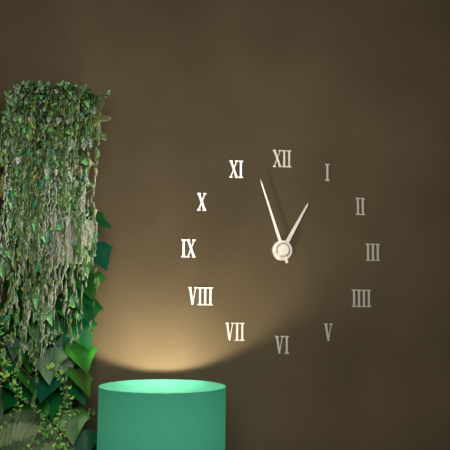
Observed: 12 h 57 min
